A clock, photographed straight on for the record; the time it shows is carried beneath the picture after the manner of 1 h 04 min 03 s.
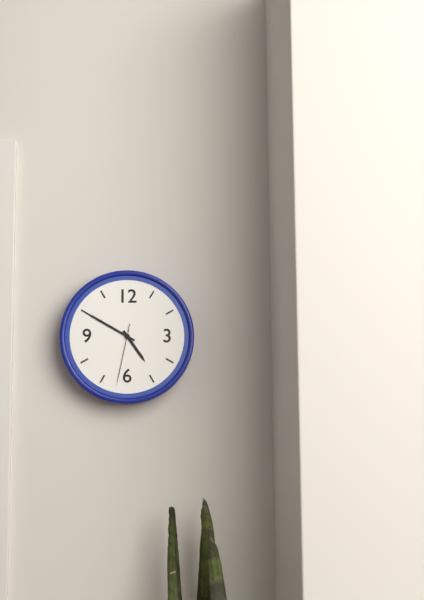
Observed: 4 h 50 min 32 s
